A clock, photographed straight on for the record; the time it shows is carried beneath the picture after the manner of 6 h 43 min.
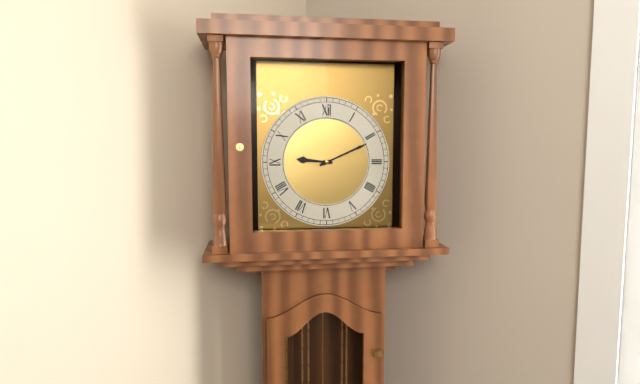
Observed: 9 h 11 min
